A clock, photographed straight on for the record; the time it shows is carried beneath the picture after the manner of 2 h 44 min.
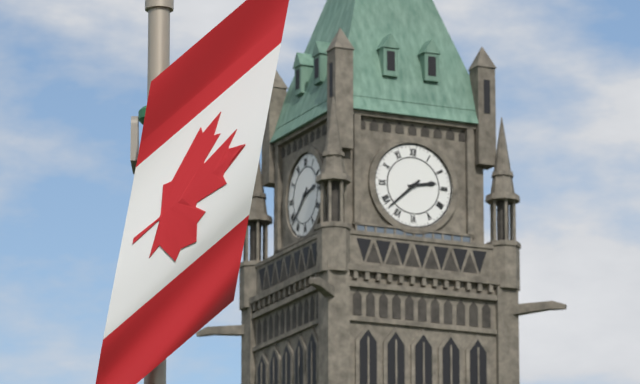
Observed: 2 h 38 min
